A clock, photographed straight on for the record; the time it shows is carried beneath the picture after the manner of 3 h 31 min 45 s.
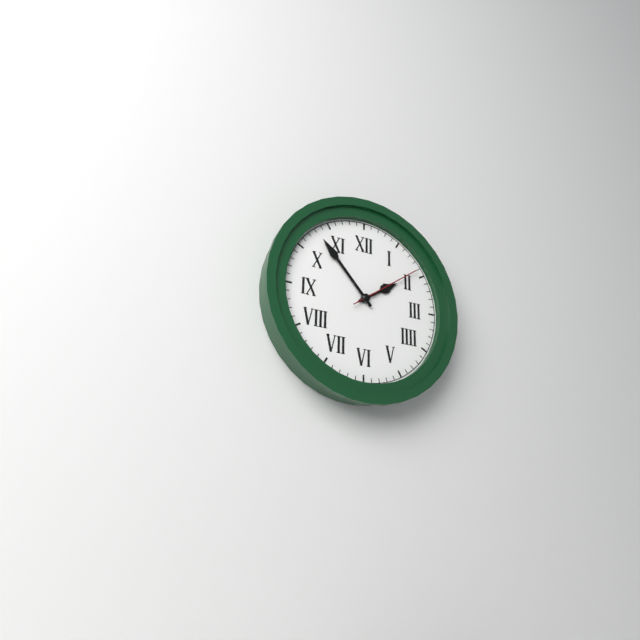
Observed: 1 h 53 min 09 s
